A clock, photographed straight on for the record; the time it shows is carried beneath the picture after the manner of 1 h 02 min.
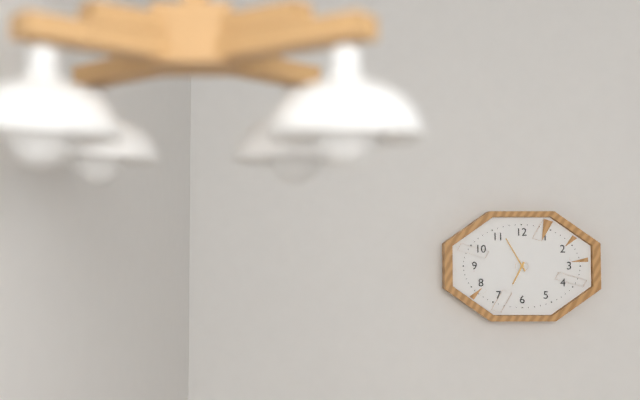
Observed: 6 h 55 min
